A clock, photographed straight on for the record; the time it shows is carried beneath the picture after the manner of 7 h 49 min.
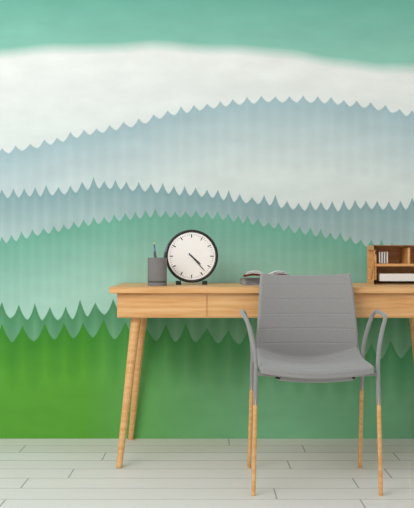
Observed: 4 h 23 min
